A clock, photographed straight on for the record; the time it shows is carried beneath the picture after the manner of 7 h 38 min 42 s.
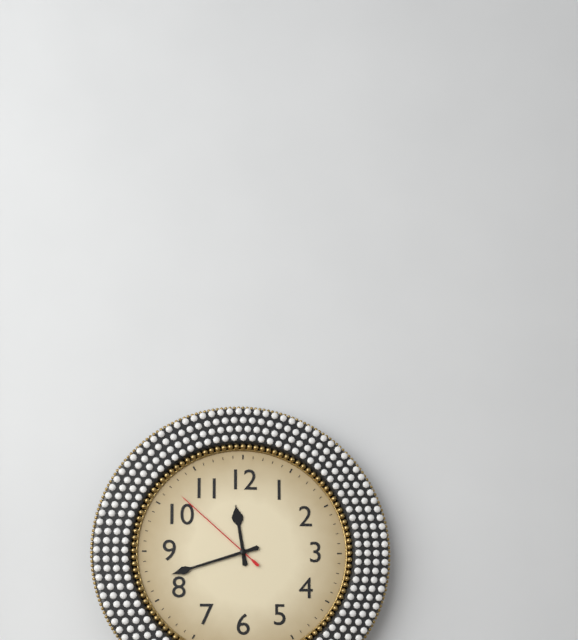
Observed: 11 h 42 min 52 s
